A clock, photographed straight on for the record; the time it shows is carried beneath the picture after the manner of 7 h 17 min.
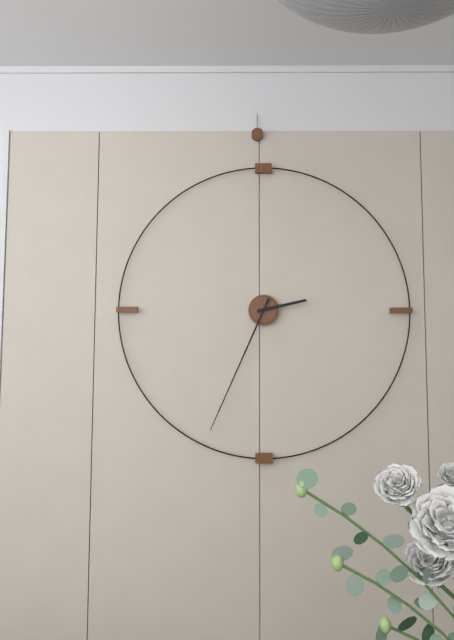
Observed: 2 h 34 min
